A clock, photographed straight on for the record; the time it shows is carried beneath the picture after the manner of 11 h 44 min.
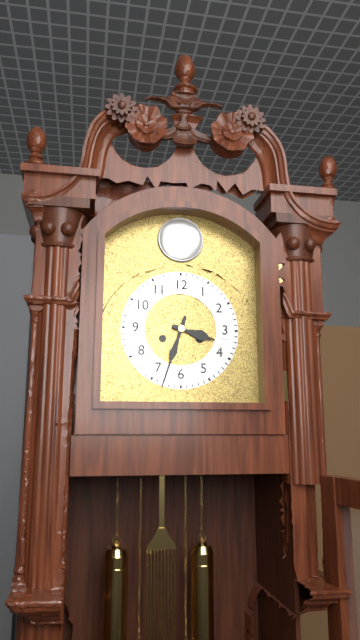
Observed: 3 h 33 min
